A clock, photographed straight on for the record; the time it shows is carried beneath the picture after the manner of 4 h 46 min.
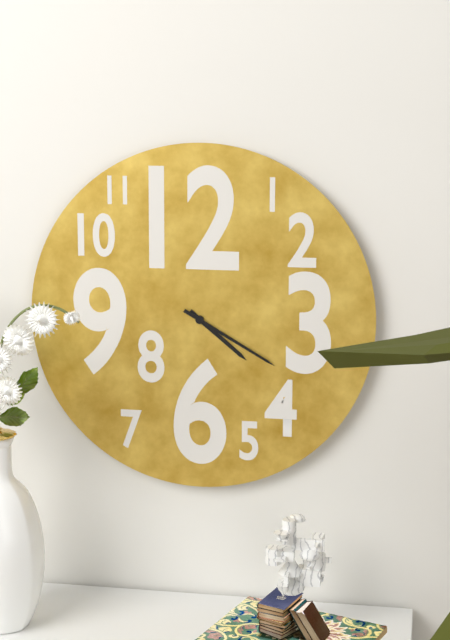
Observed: 4 h 20 min
